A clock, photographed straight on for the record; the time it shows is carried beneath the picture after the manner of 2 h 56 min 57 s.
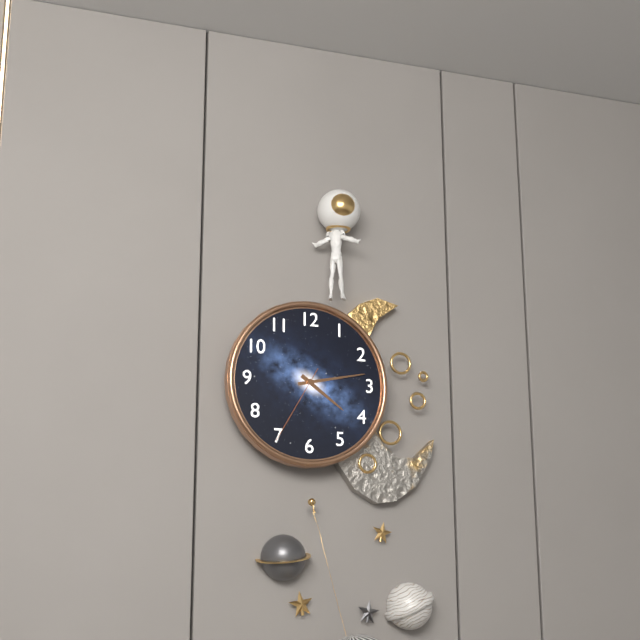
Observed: 4 h 13 min 35 s
